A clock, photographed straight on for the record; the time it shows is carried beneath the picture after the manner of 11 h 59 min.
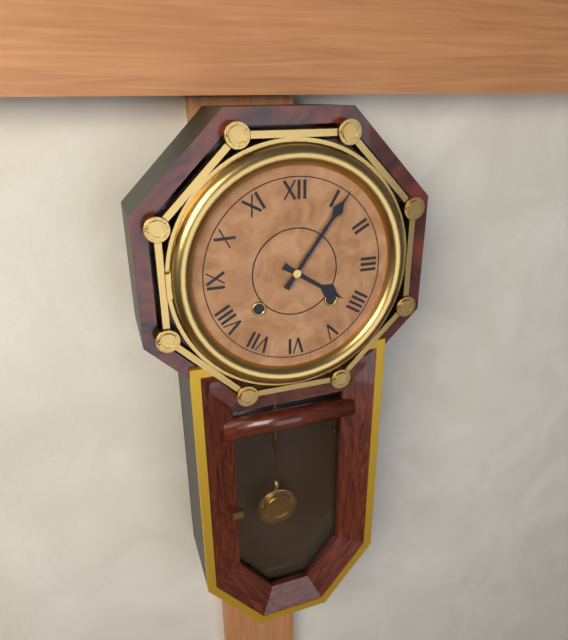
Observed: 4 h 06 min
